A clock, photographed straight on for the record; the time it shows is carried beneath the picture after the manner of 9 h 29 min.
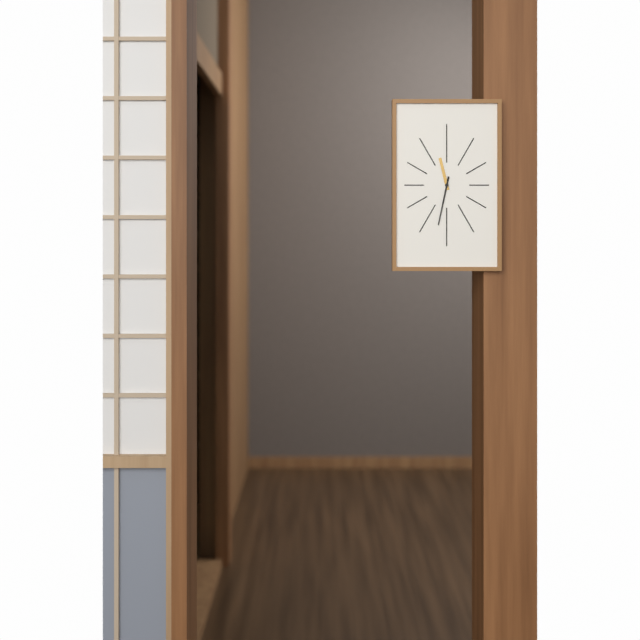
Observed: 11 h 32 min
